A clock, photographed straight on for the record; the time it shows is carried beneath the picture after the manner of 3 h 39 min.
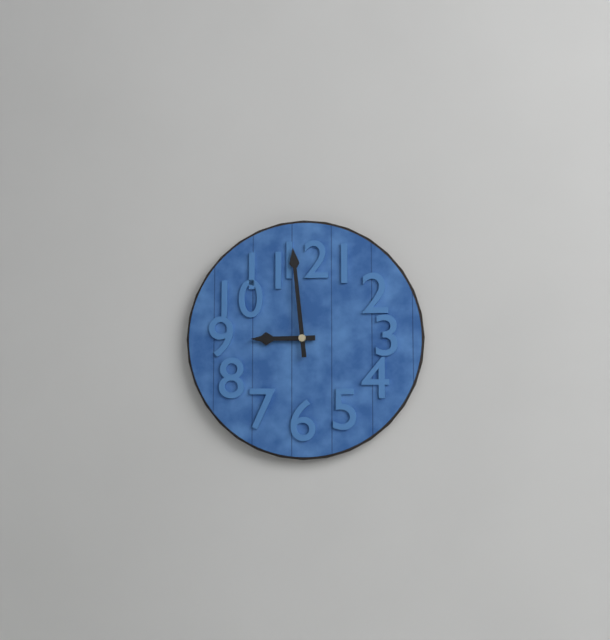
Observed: 8 h 59 min
